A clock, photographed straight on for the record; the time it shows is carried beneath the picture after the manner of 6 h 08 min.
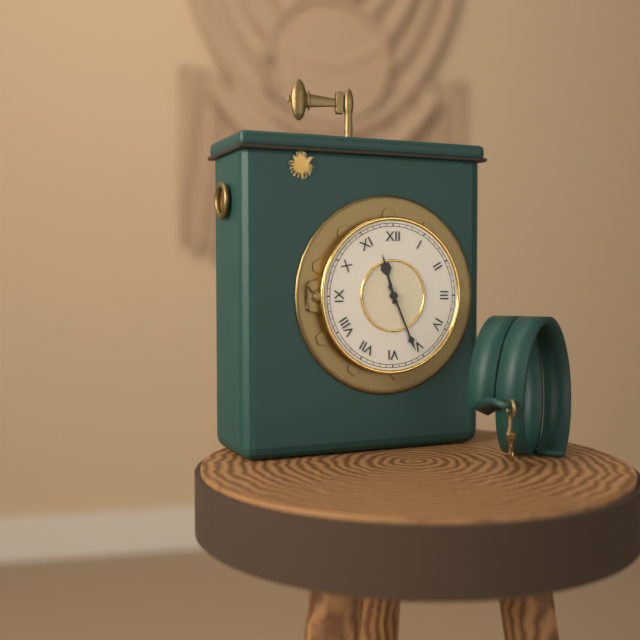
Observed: 11 h 26 min
